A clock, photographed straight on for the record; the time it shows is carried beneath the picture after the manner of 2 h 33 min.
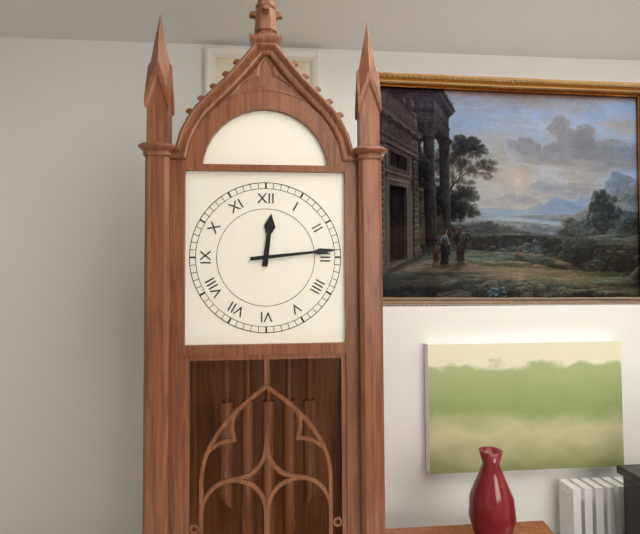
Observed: 12 h 14 min
